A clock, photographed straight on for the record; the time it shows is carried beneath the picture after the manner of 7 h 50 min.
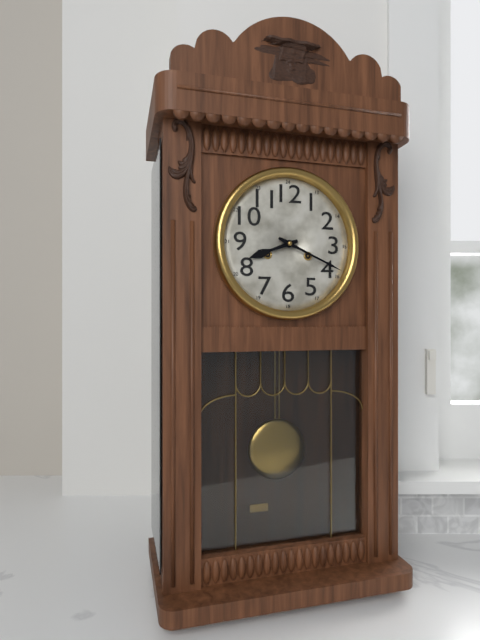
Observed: 8 h 19 min
